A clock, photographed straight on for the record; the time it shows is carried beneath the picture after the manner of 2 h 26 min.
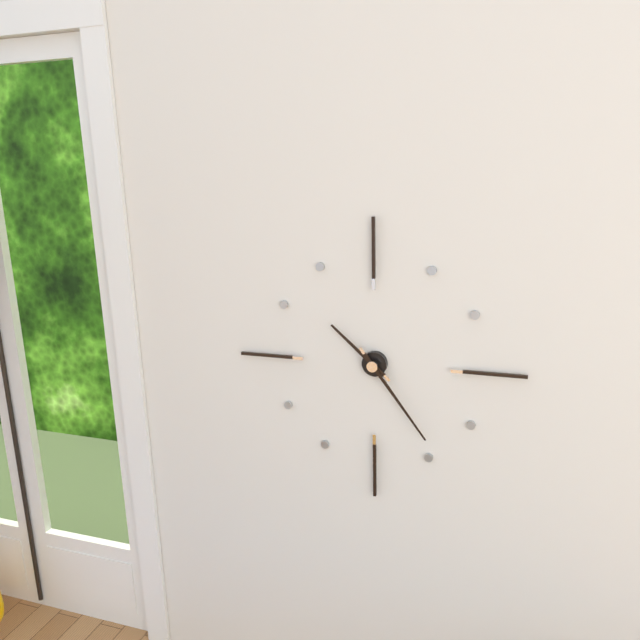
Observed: 10 h 24 min
